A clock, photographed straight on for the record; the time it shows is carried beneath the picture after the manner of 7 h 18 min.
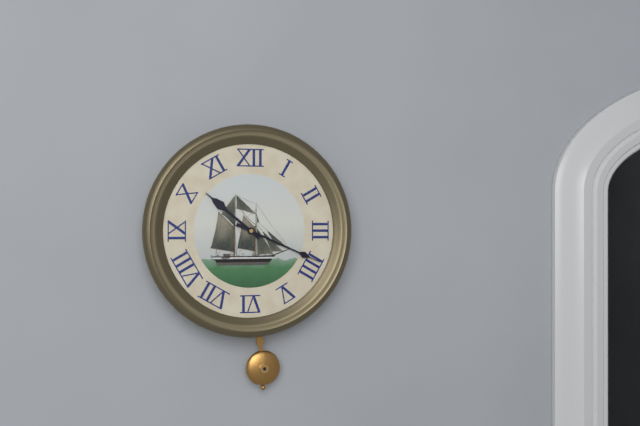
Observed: 10 h 19 min
